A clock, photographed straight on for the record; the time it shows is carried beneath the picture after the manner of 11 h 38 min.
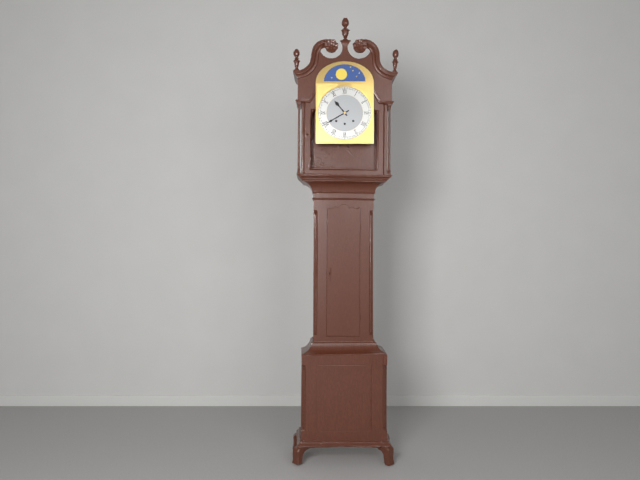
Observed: 10 h 40 min
